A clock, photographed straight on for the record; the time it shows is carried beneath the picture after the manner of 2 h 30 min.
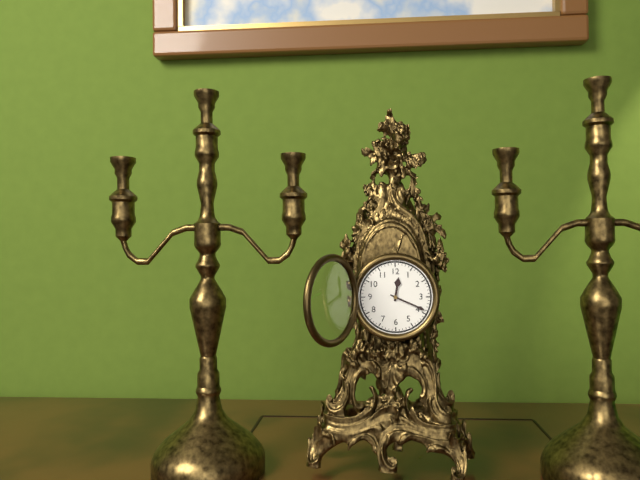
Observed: 12 h 19 min
